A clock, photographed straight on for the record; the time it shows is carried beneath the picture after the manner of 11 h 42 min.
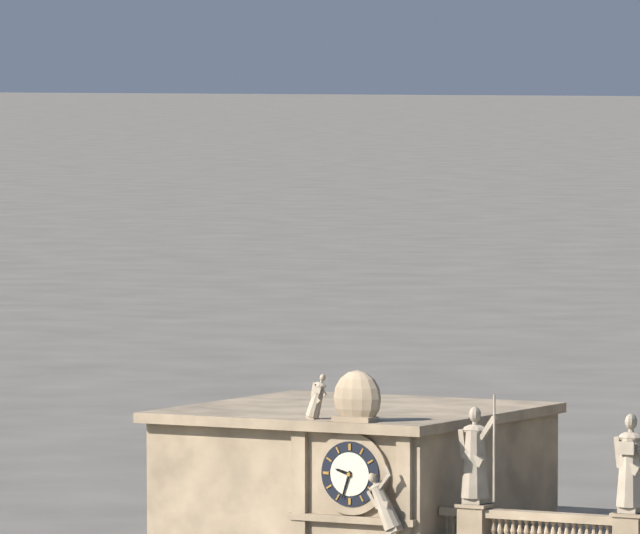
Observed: 9 h 33 min
